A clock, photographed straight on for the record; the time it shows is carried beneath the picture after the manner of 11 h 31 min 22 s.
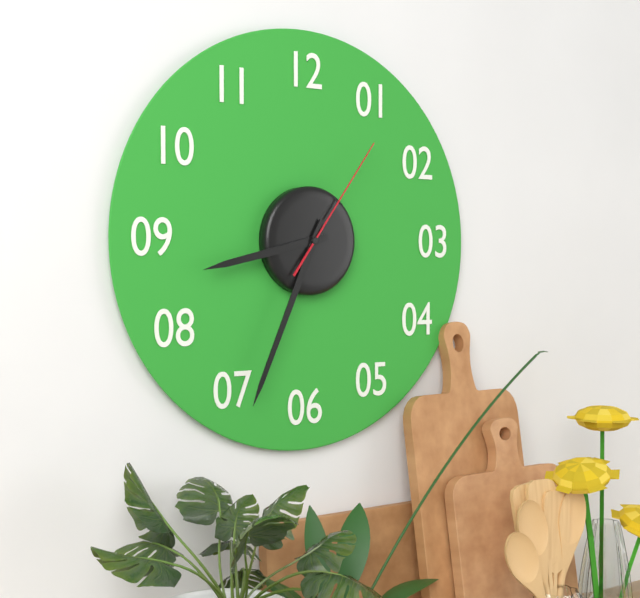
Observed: 8 h 34 min 06 s
